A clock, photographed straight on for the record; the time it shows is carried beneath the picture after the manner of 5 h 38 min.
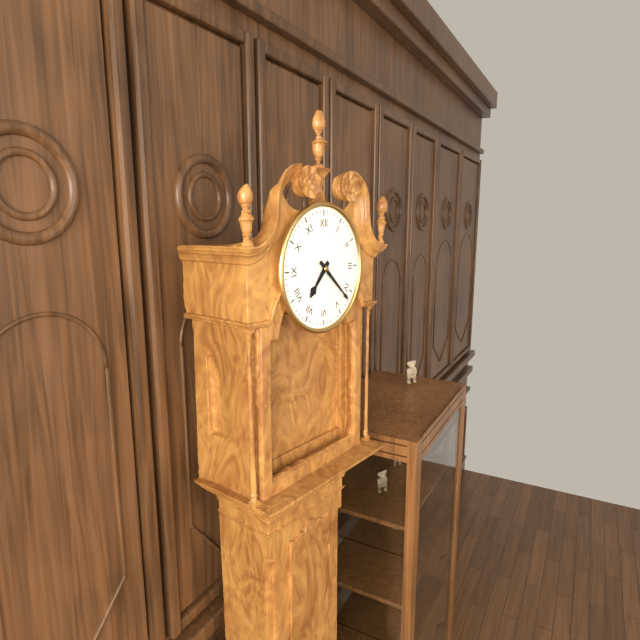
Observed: 7 h 22 min
